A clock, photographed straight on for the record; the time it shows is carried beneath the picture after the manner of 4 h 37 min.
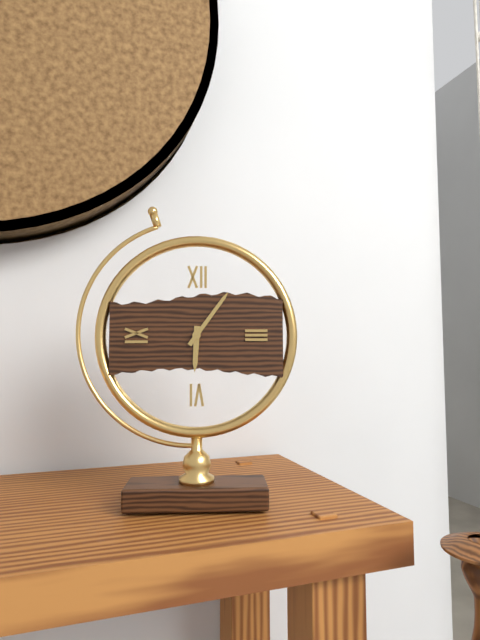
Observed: 6 h 06 min
